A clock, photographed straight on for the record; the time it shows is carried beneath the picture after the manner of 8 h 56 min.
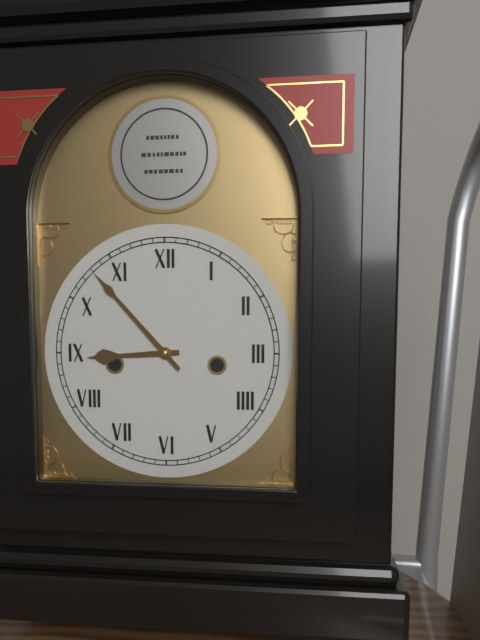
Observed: 8 h 53 min
